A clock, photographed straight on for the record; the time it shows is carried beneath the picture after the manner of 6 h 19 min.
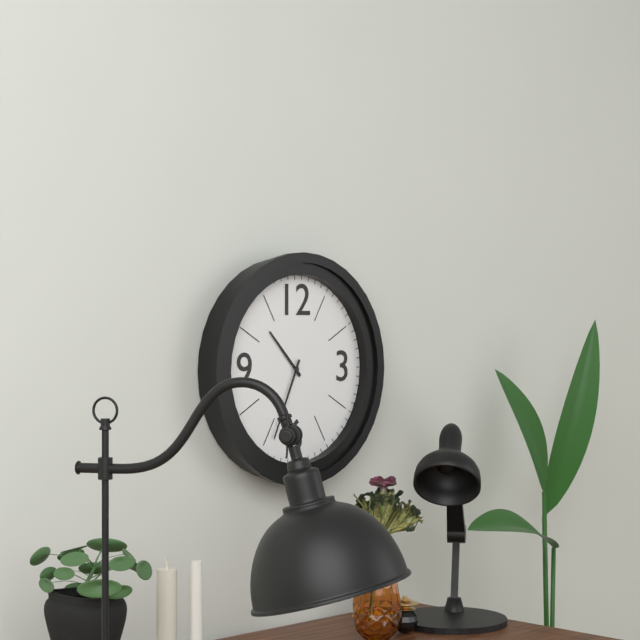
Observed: 10 h 34 min
